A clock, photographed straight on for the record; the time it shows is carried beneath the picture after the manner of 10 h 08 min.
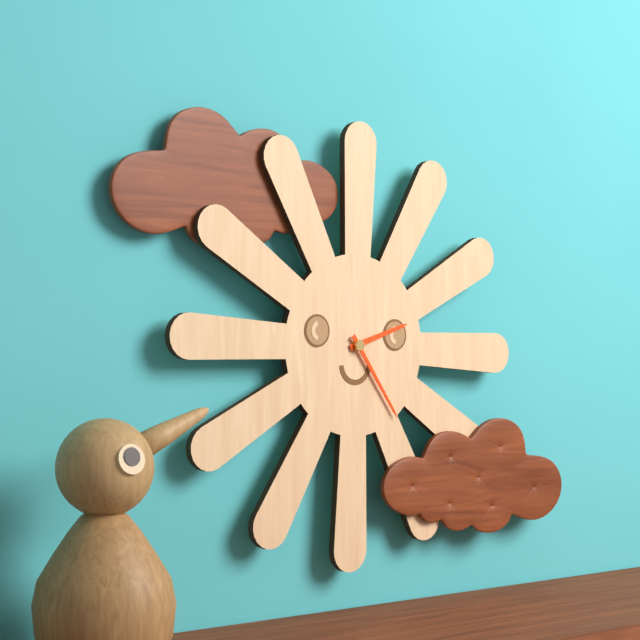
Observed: 2 h 24 min
